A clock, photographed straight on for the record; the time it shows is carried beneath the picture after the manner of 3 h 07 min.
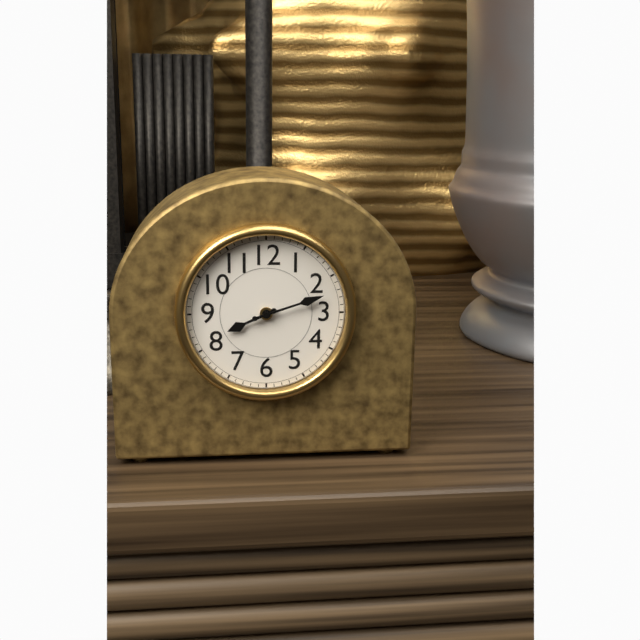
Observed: 8 h 12 min
